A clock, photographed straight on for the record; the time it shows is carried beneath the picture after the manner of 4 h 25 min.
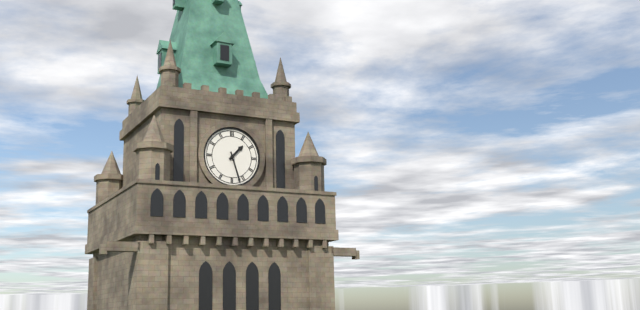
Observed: 1 h 27 min
